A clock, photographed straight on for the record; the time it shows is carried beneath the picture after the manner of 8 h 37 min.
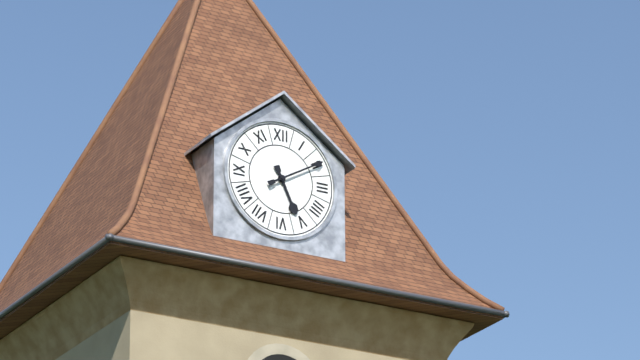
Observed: 5 h 10 min
